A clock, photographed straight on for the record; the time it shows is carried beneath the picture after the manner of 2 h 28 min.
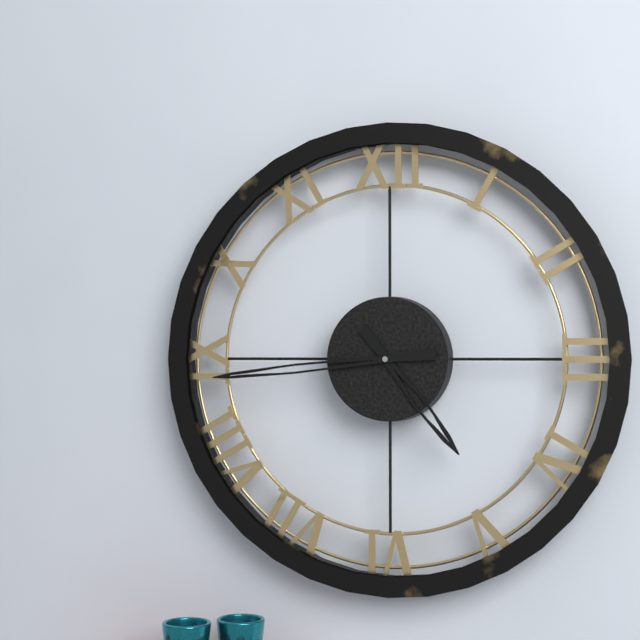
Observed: 4 h 44 min
